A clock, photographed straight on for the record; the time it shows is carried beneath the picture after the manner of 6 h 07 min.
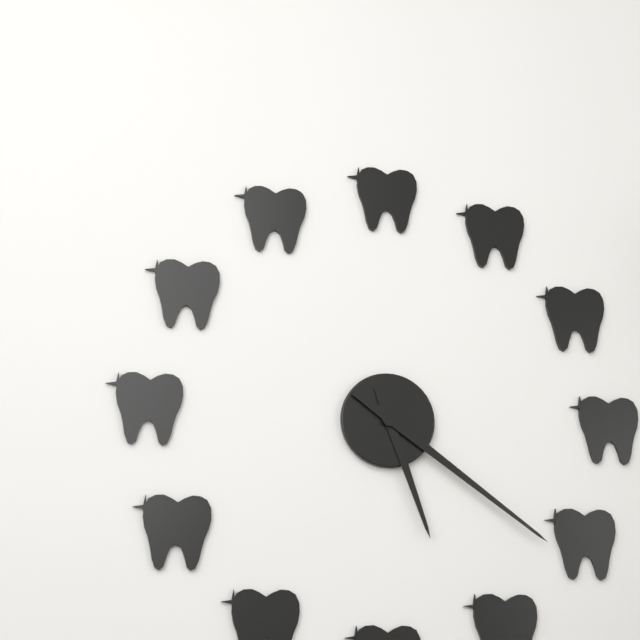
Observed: 5 h 21 min
